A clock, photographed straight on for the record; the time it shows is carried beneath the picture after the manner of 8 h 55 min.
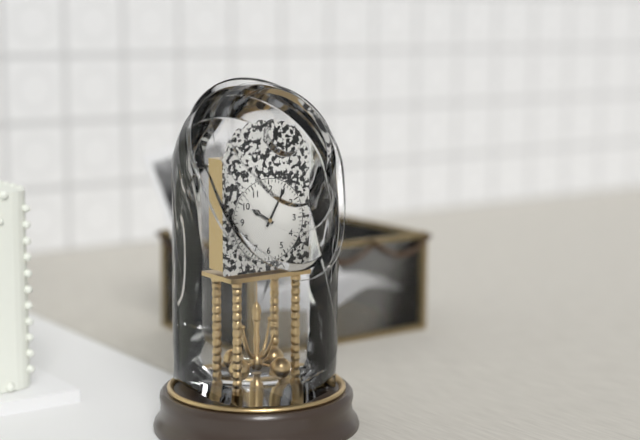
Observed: 10 h 05 min
